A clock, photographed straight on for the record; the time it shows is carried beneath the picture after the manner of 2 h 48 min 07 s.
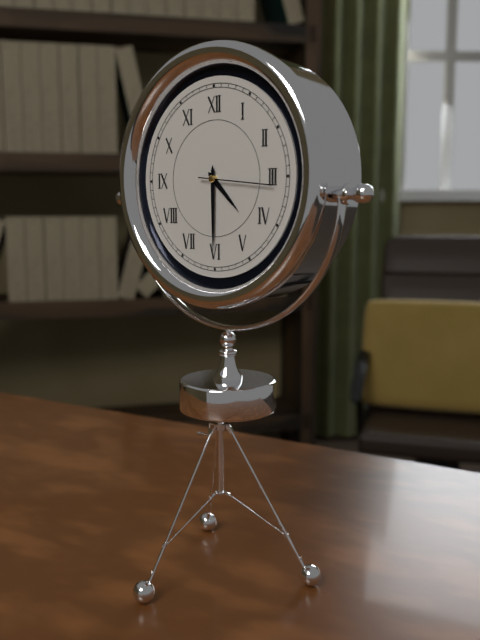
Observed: 4 h 30 min 16 s
